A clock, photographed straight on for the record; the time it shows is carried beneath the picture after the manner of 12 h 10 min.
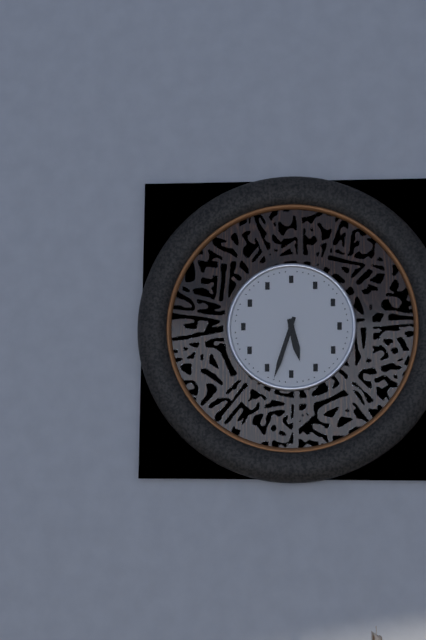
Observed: 5 h 33 min
